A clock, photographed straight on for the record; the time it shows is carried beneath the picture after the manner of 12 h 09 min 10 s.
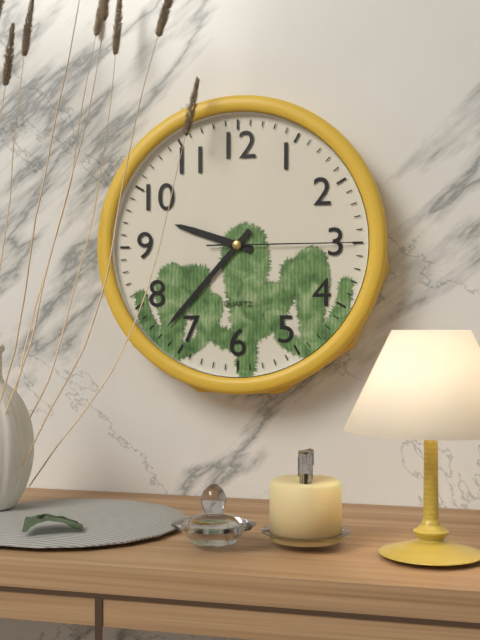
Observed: 9 h 37 min 15 s
